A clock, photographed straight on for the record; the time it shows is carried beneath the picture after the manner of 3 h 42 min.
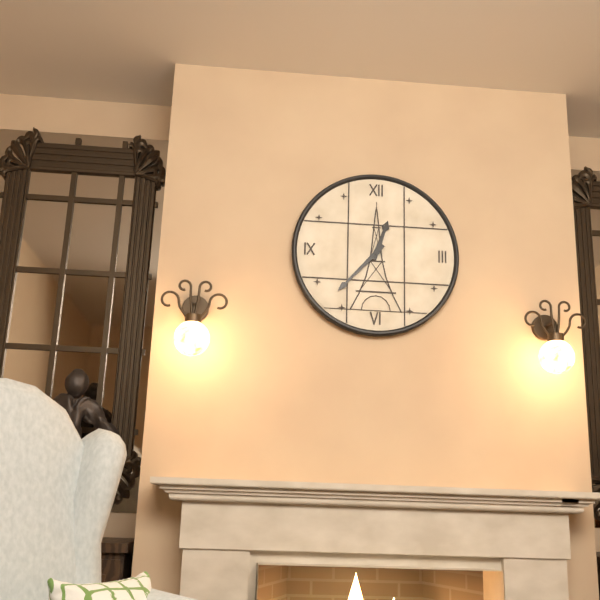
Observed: 12 h 37 min
